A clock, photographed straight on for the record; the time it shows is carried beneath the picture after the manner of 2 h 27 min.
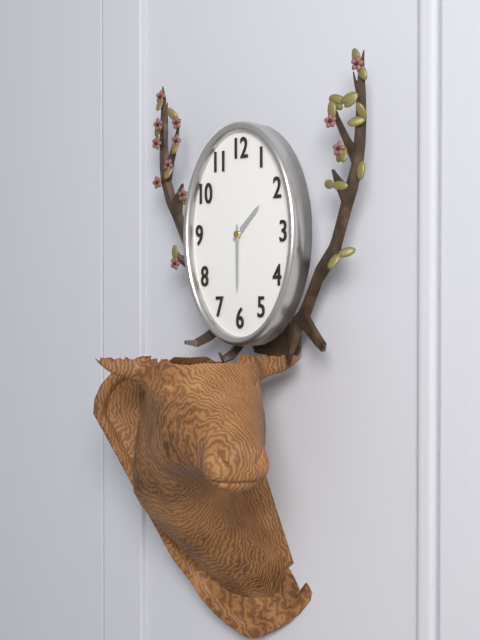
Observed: 1 h 30 min
